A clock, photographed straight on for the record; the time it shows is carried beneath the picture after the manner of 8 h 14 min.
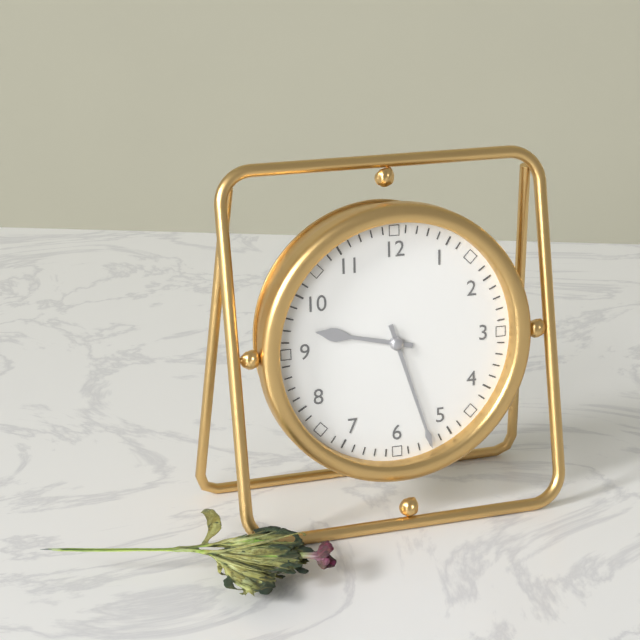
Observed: 9 h 27 min
